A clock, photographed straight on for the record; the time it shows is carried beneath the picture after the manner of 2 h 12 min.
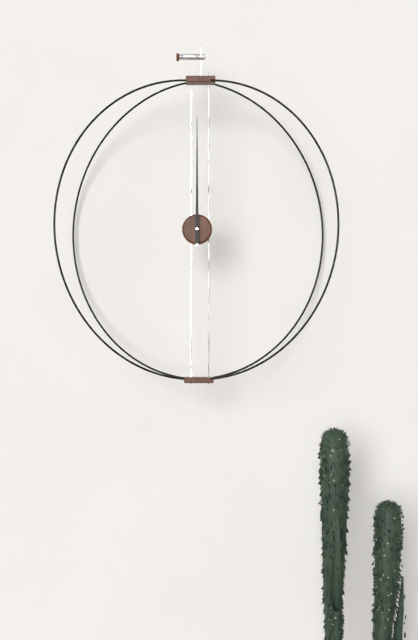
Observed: 12 h 00 min
